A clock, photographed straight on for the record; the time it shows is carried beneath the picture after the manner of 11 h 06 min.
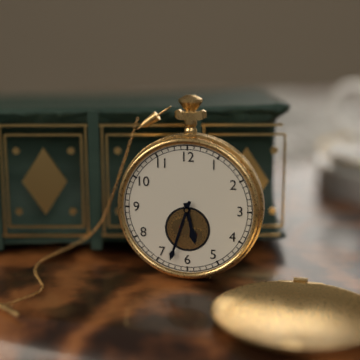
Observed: 5 h 33 min
